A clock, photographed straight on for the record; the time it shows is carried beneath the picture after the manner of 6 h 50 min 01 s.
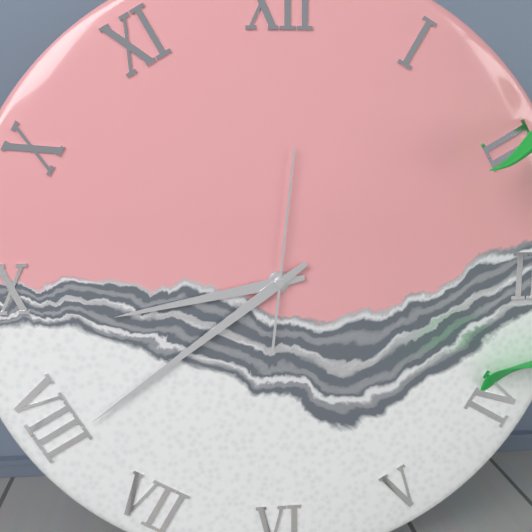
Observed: 8 h 39 min 01 s
